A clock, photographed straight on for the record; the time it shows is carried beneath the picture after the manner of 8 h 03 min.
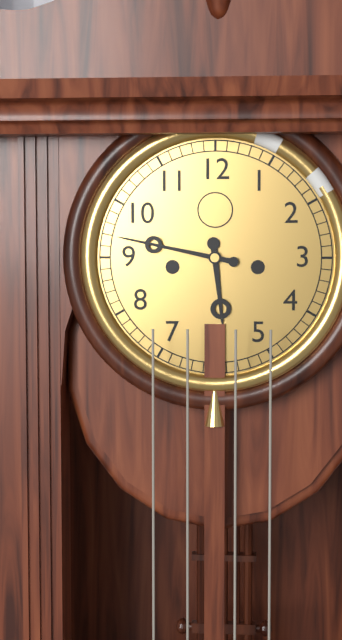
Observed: 5 h 47 min
